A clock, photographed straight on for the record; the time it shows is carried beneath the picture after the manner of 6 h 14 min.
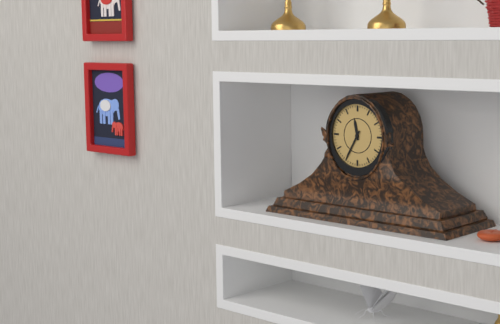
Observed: 11 h 35 min
